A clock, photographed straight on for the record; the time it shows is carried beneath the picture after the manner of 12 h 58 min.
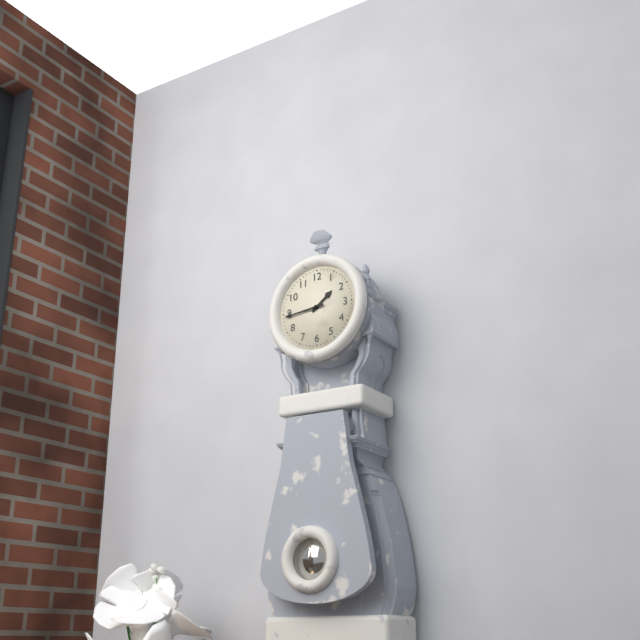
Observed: 1 h 44 min
